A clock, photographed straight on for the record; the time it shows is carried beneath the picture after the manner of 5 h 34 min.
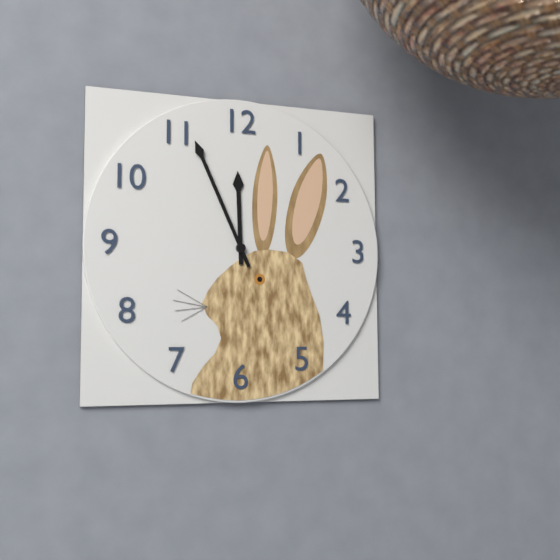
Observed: 11 h 56 min
